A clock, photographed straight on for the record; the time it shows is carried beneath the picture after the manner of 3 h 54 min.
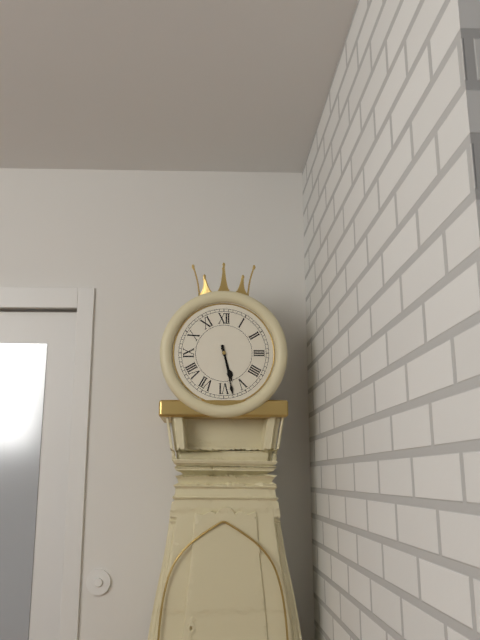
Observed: 5 h 28 min
